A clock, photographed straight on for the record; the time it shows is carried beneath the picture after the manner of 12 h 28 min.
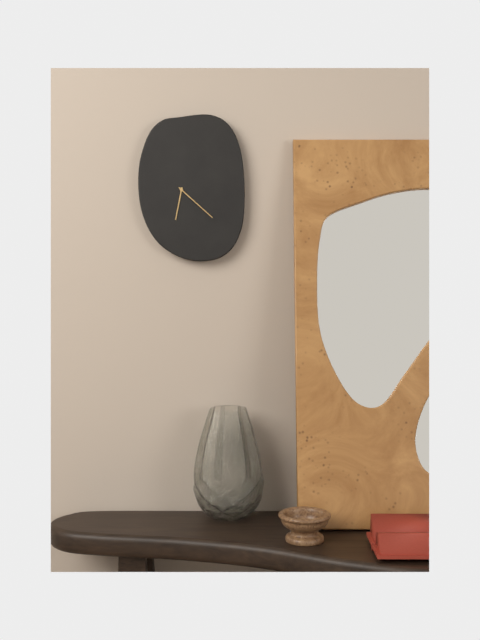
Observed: 6 h 22 min
